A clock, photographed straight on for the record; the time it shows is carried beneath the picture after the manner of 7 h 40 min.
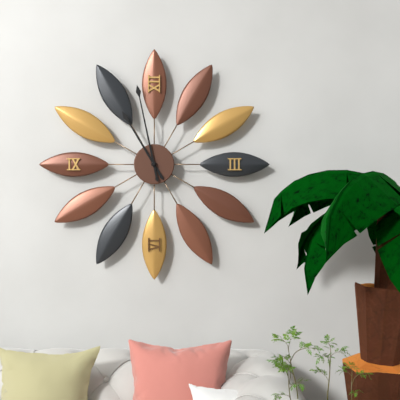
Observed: 10 h 58 min
